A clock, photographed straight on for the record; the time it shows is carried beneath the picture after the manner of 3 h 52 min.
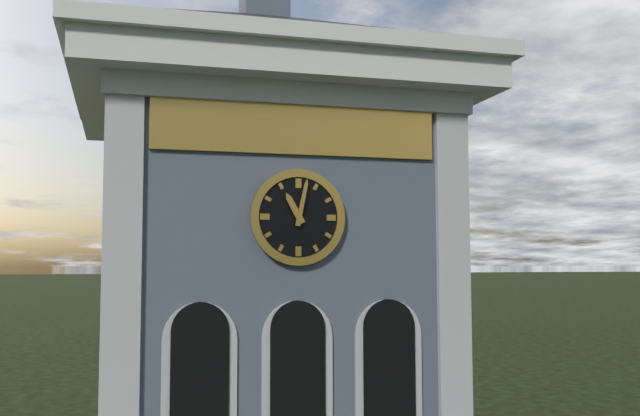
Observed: 11 h 02 min
